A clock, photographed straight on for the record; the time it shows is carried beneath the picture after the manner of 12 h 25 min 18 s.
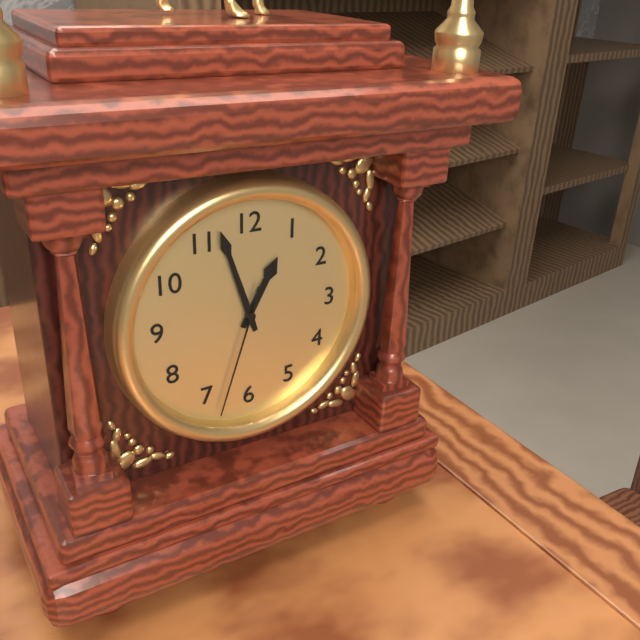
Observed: 12 h 57 min 33 s
